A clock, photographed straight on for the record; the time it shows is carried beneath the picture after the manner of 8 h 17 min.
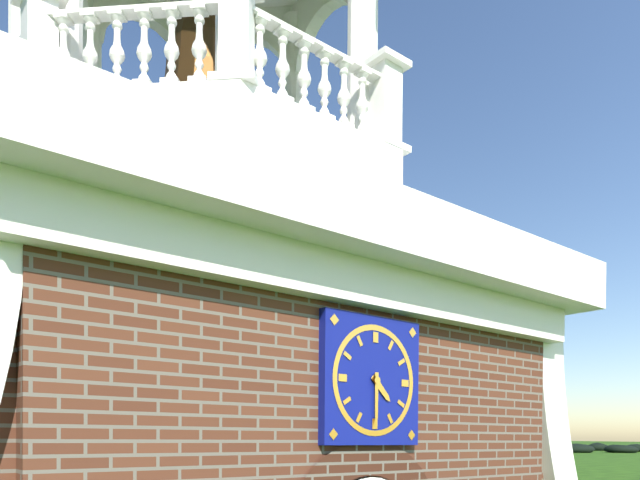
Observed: 4 h 30 min
